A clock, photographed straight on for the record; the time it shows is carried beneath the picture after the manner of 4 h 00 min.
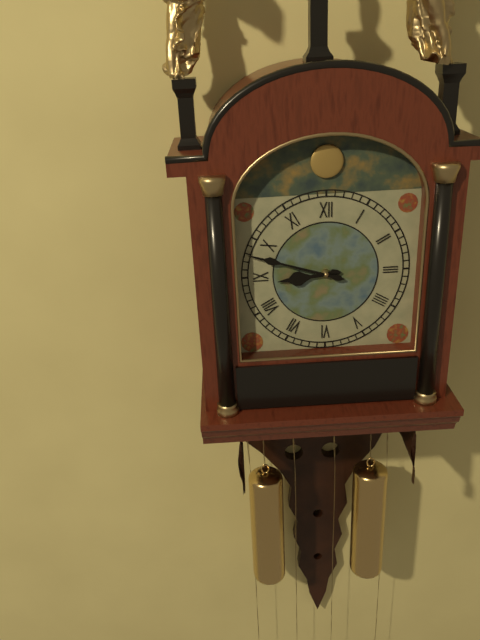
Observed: 8 h 48 min
